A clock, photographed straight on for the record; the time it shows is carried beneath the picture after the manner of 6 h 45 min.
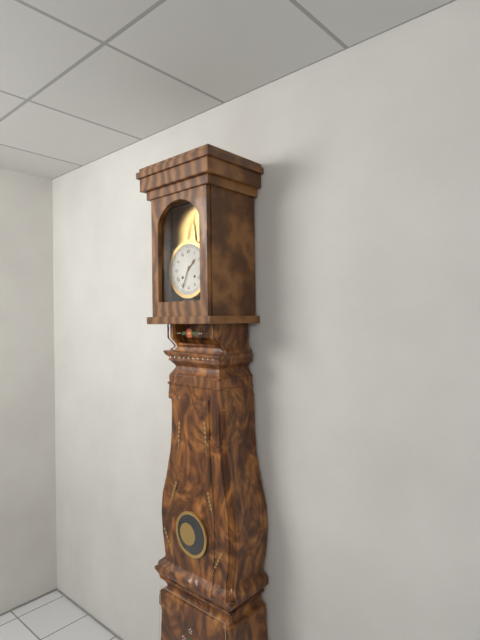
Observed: 1 h 34 min
